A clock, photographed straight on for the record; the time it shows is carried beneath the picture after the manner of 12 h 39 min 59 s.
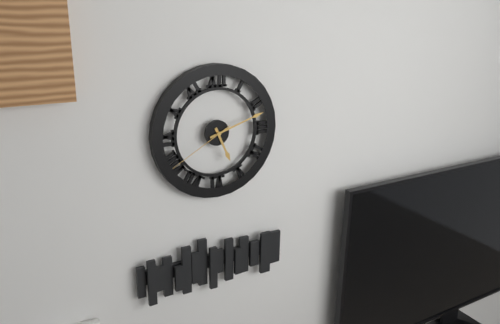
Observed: 5 h 12 min 40 s
